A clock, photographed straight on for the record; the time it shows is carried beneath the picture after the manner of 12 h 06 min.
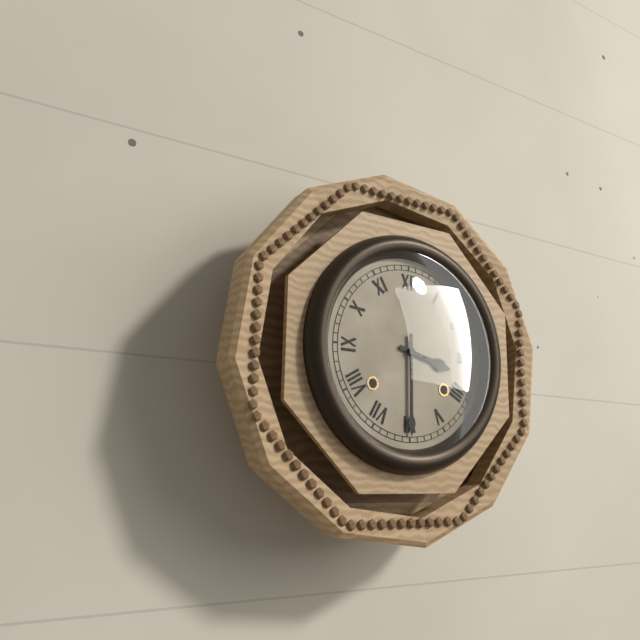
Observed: 3 h 30 min
